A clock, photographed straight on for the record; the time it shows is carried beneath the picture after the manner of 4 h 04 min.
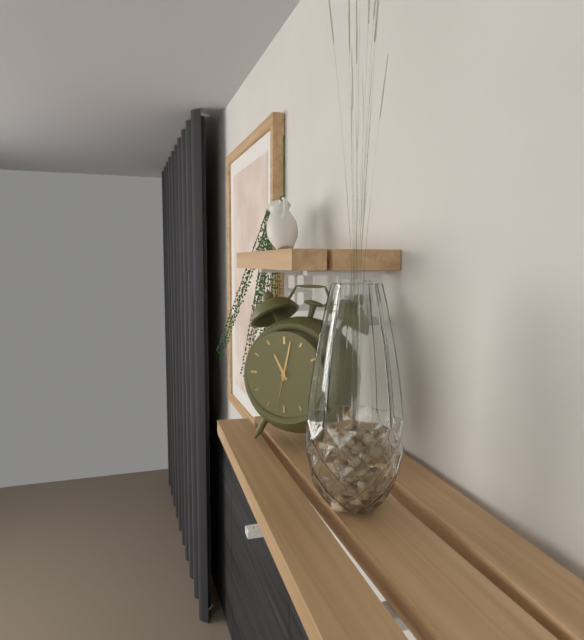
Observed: 11 h 02 min
